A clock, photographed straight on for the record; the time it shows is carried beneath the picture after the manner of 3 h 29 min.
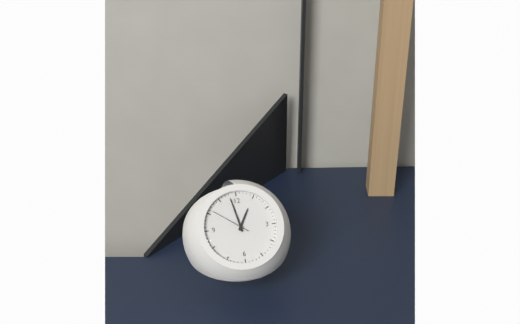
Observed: 12 h 58 min
